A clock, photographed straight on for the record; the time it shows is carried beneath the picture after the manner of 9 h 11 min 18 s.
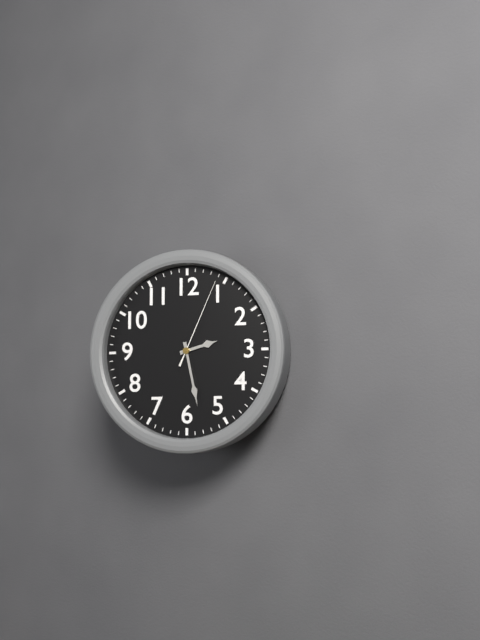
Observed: 2 h 28 min 04 s
